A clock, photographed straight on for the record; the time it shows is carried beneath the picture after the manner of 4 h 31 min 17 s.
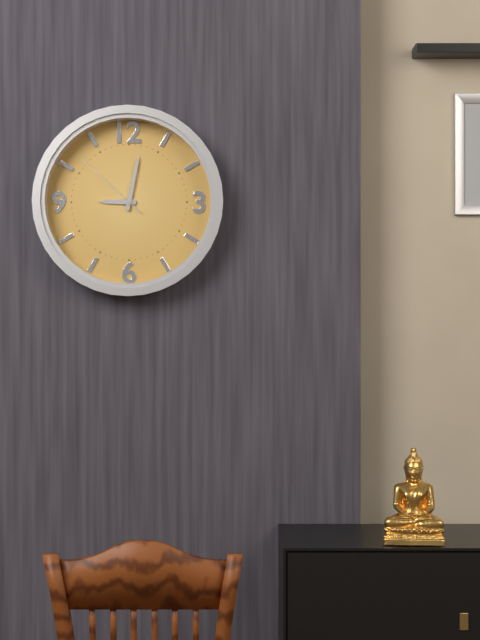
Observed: 9 h 02 min 52 s
